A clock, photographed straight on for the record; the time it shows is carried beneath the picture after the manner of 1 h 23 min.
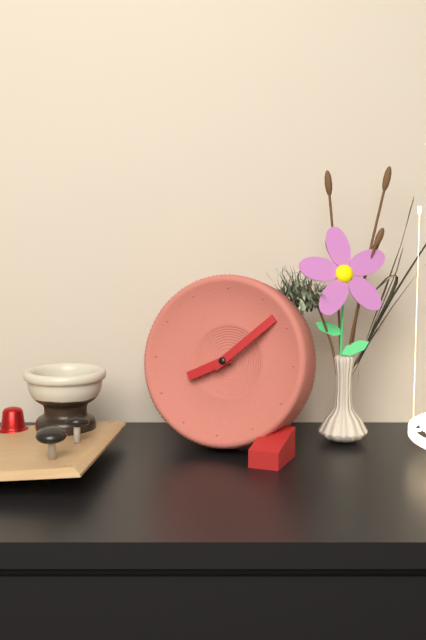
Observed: 8 h 08 min
